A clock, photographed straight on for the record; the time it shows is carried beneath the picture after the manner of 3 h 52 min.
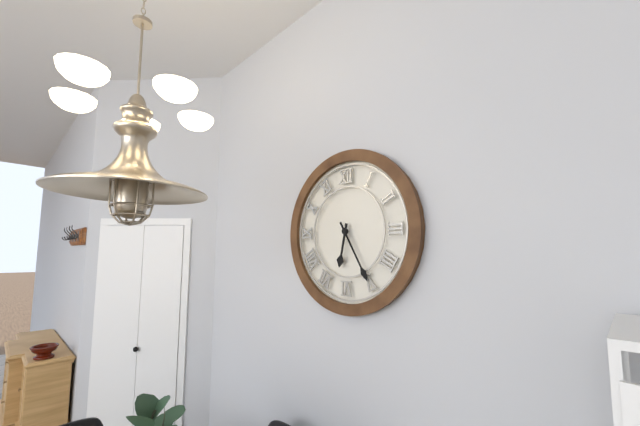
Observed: 6 h 25 min
